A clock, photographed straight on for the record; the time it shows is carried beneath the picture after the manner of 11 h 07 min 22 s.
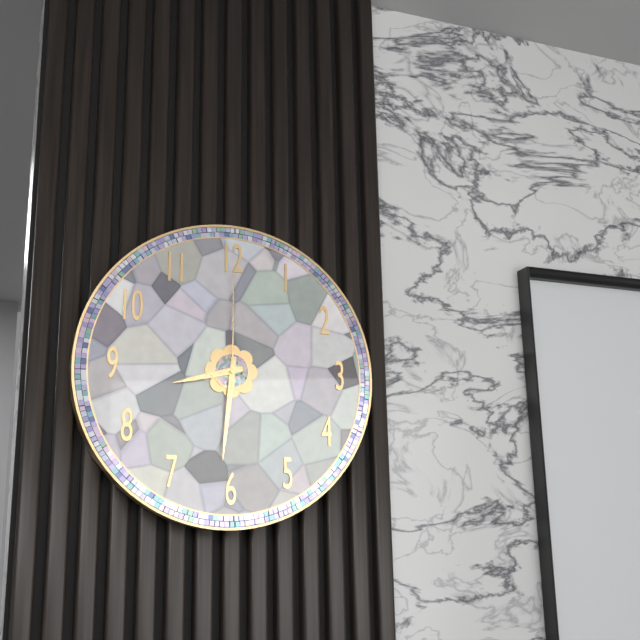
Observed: 8 h 31 min 00 s
